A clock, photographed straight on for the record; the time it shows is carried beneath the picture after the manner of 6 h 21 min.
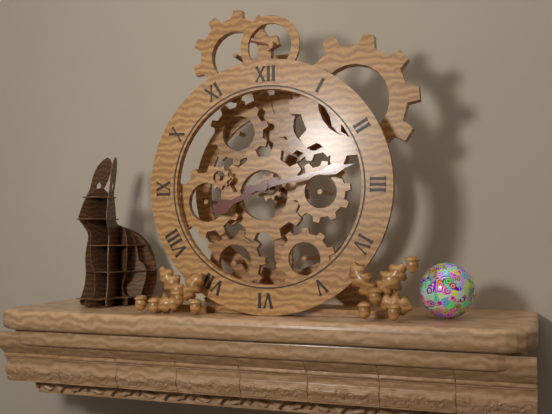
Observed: 8 h 13 min
